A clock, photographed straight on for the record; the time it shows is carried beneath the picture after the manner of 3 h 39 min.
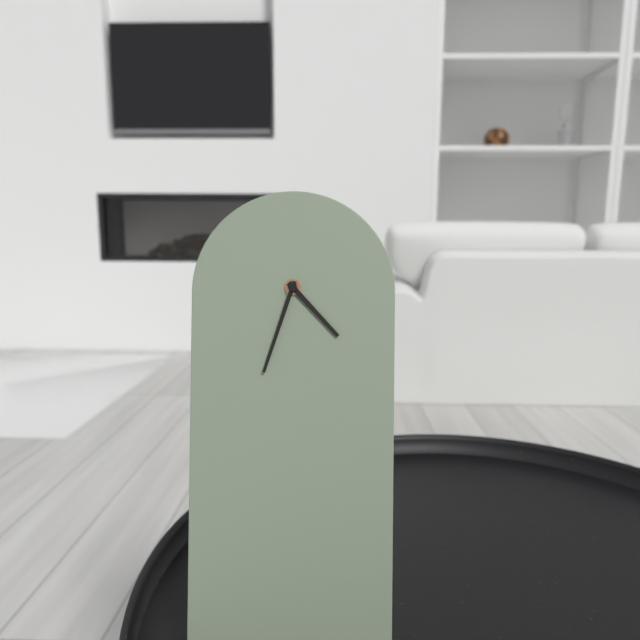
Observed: 4 h 33 min
